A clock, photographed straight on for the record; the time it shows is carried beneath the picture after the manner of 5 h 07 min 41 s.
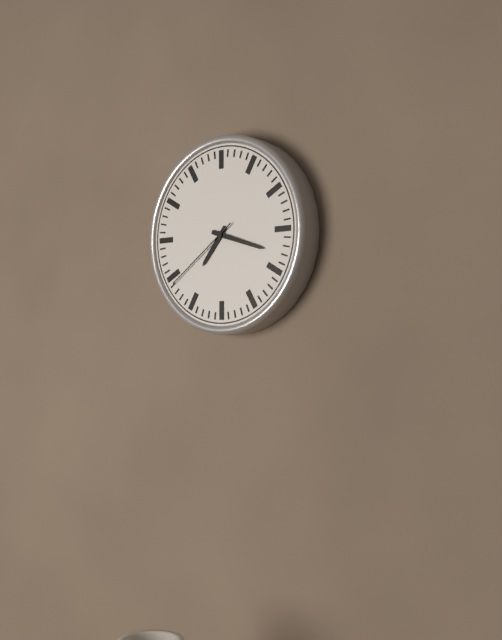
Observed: 7 h 18 min 39 s
